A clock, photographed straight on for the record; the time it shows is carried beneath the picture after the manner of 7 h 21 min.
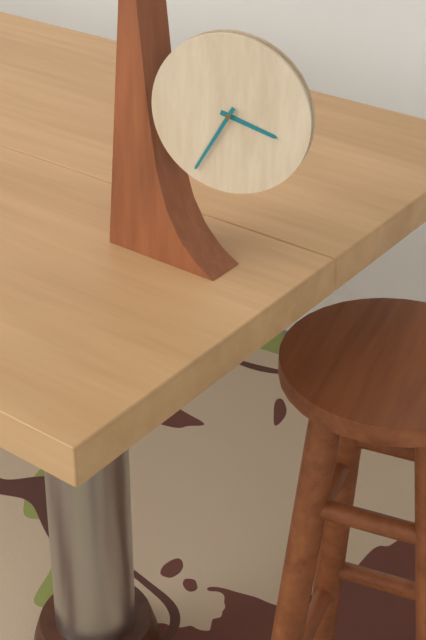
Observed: 3 h 35 min
